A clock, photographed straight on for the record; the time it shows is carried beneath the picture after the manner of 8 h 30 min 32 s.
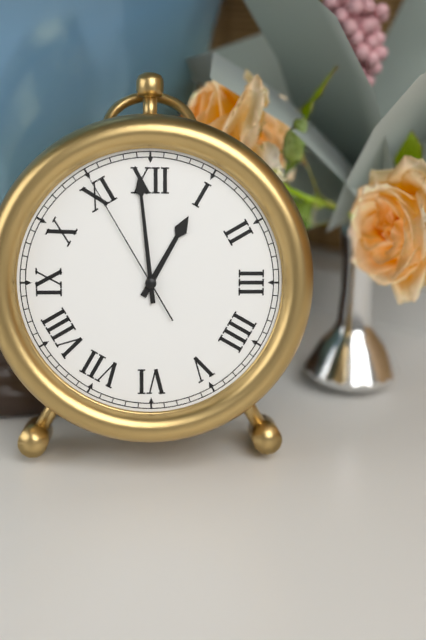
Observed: 12 h 59 min 55 s
